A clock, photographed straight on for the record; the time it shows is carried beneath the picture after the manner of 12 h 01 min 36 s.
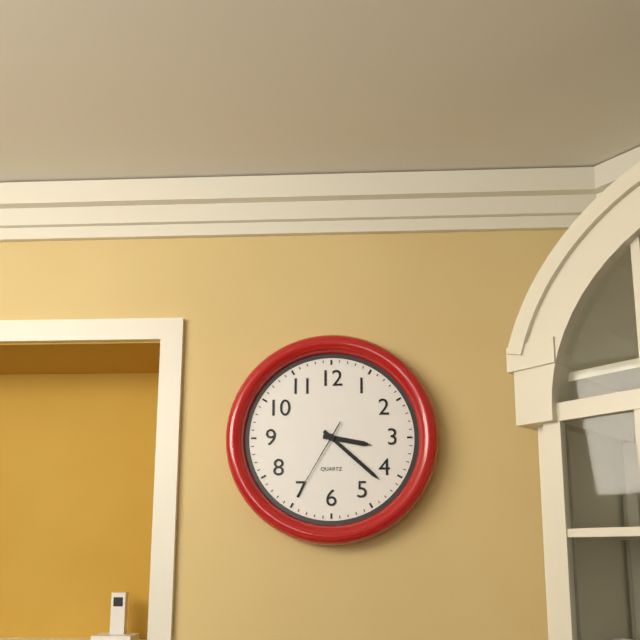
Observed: 3 h 22 min 35 s
